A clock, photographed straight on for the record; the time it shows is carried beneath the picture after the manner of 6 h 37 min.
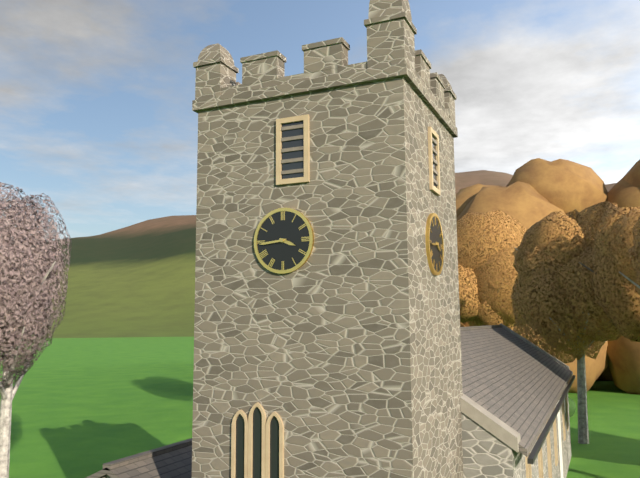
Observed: 3 h 44 min
